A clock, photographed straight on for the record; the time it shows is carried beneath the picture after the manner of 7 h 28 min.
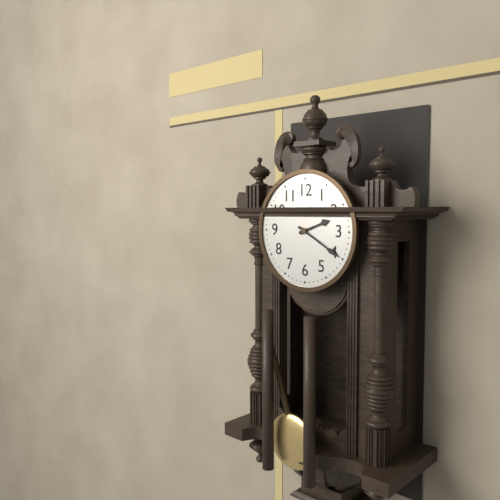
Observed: 2 h 20 min
